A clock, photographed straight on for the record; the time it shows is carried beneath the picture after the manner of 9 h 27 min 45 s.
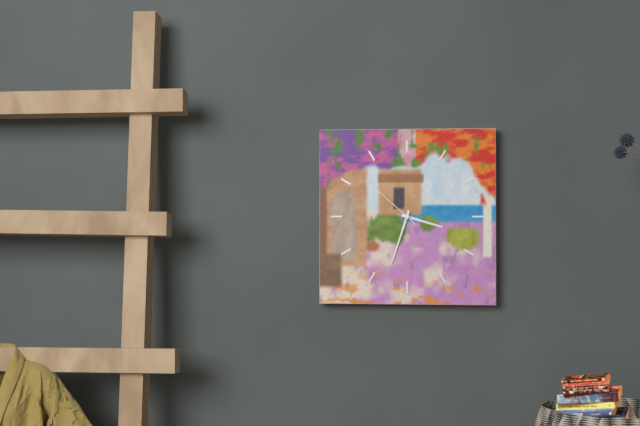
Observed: 3 h 33 min 52 s
